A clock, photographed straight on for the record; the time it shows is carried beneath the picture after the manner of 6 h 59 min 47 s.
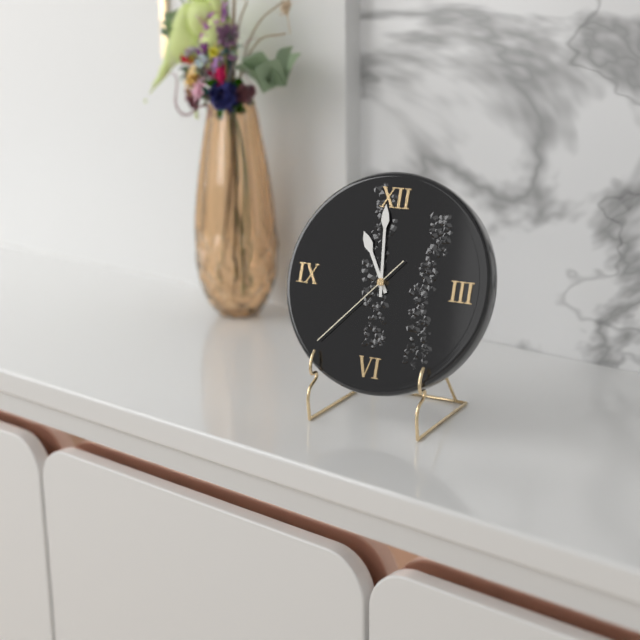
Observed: 10 h 59 min 37 s
